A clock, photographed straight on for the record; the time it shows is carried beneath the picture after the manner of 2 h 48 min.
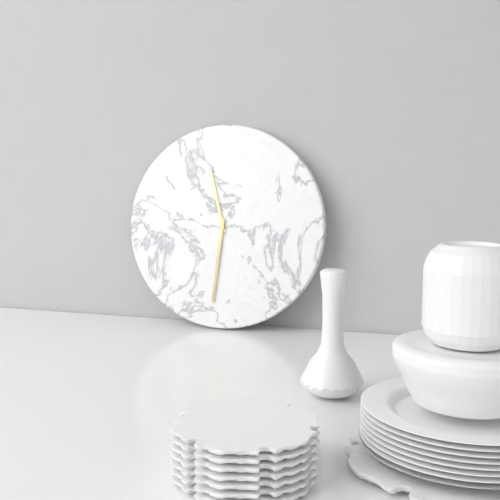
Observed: 11 h 31 min
